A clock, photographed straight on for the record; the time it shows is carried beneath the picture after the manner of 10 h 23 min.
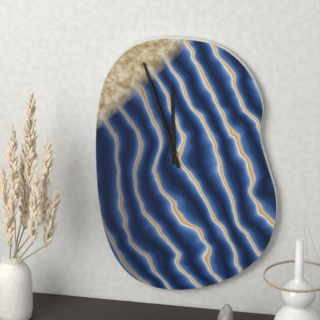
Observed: 11 h 57 min
